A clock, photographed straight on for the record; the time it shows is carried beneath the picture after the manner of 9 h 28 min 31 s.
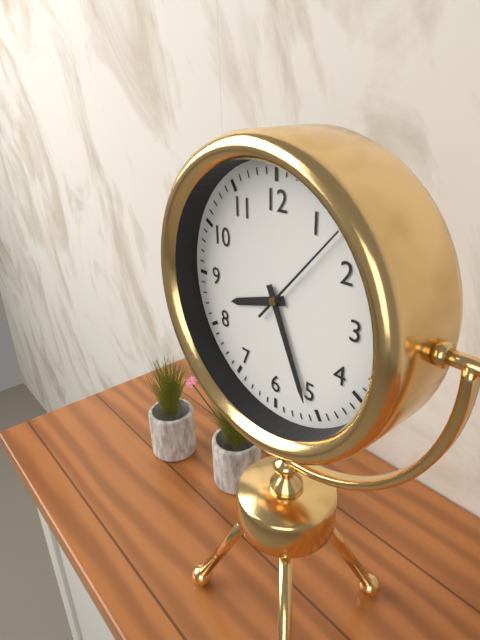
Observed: 8 h 26 min 07 s
